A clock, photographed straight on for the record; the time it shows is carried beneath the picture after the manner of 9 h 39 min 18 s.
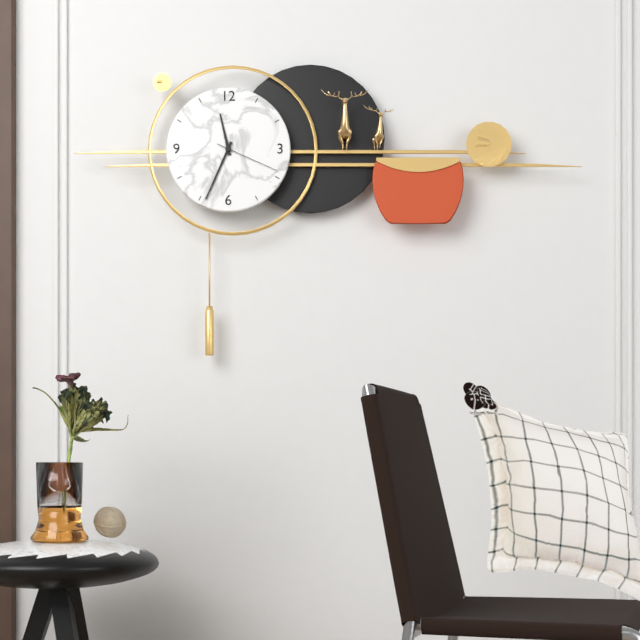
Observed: 11 h 34 min 19 s
